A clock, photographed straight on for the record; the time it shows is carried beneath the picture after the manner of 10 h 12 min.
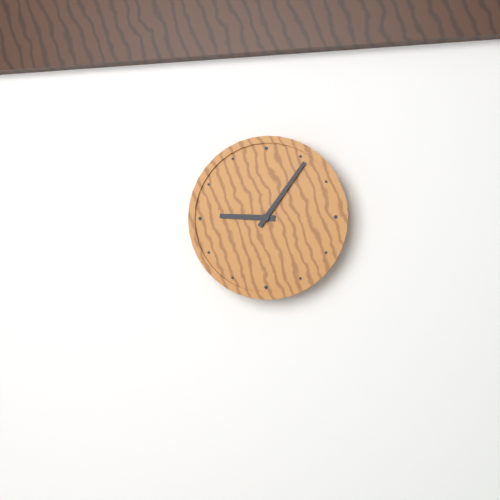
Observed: 9 h 06 min
